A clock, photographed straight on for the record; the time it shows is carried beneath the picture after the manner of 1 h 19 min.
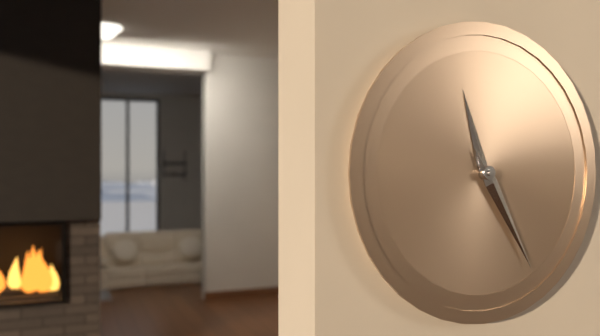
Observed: 11 h 25 min
